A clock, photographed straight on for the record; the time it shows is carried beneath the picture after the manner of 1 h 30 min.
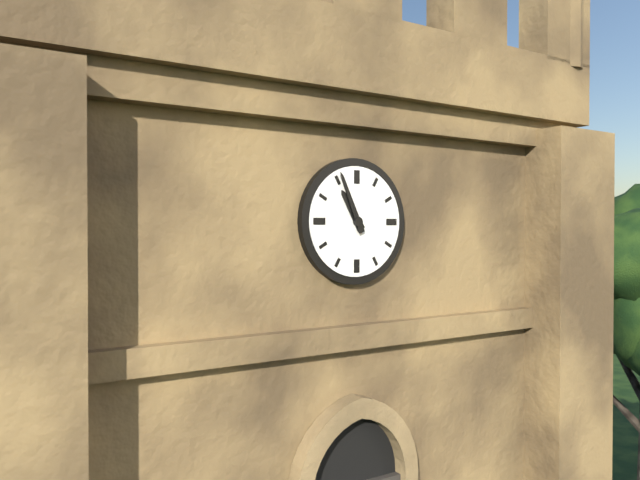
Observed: 10 h 56 min
